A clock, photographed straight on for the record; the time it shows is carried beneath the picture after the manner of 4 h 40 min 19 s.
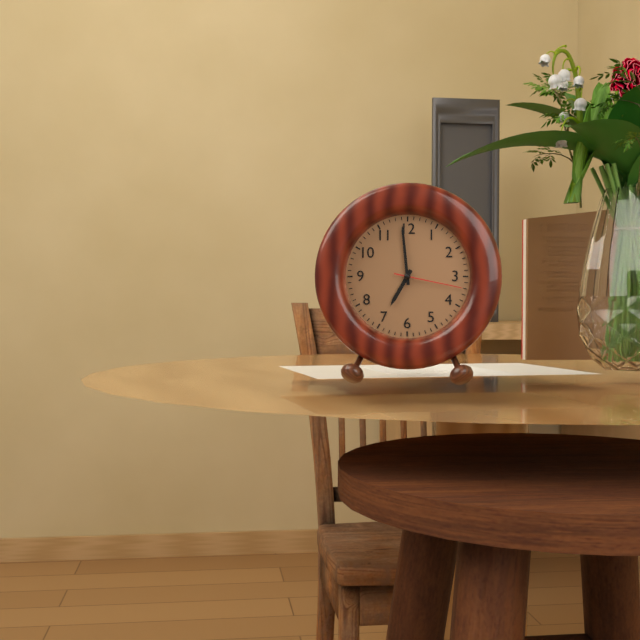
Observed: 6 h 59 min 17 s
